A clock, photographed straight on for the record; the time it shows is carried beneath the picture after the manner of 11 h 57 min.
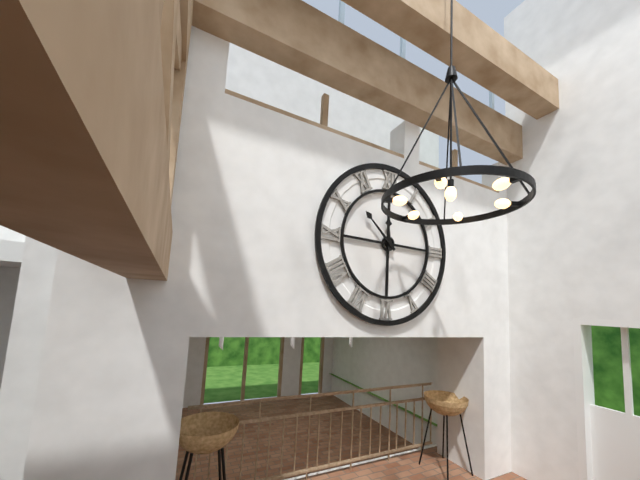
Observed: 11 h 52 min
